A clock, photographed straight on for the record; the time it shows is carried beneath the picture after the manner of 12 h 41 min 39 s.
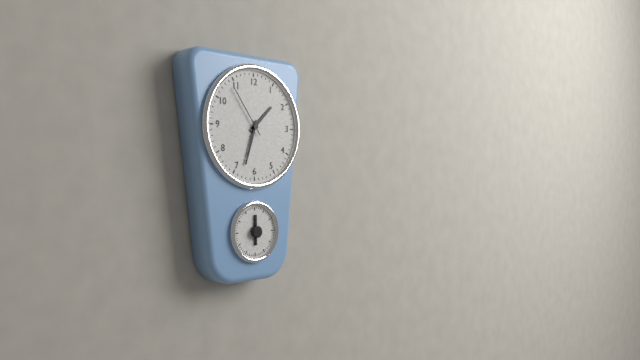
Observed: 1 h 33 min 54 s
